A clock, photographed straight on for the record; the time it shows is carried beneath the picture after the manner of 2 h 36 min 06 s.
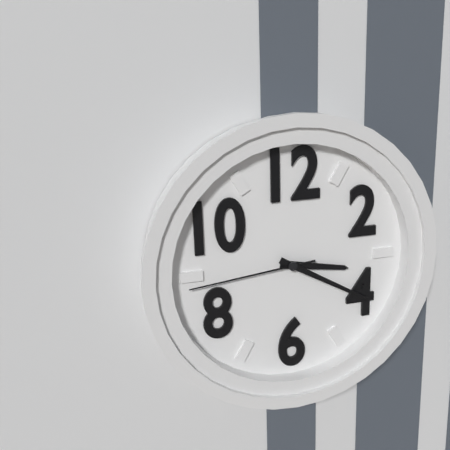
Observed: 3 h 20 min 44 s
